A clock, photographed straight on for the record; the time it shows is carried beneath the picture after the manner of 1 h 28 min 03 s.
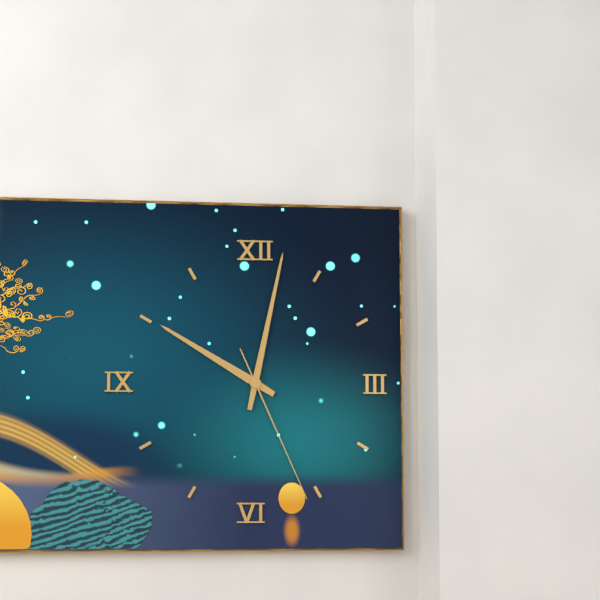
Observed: 10 h 02 min 26 s
